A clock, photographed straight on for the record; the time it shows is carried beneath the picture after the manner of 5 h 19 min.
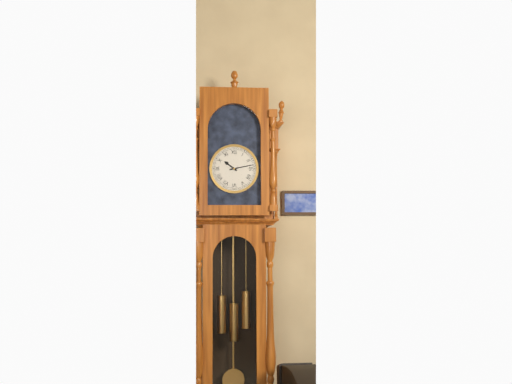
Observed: 10 h 13 min
